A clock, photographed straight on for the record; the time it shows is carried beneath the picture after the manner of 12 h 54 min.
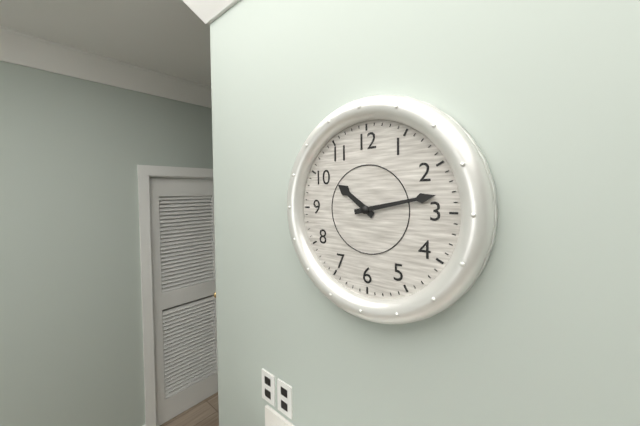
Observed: 10 h 13 min
